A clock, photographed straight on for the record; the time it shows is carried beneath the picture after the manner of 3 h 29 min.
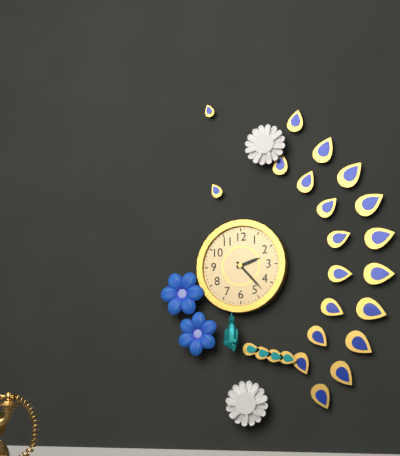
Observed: 2 h 23 min
